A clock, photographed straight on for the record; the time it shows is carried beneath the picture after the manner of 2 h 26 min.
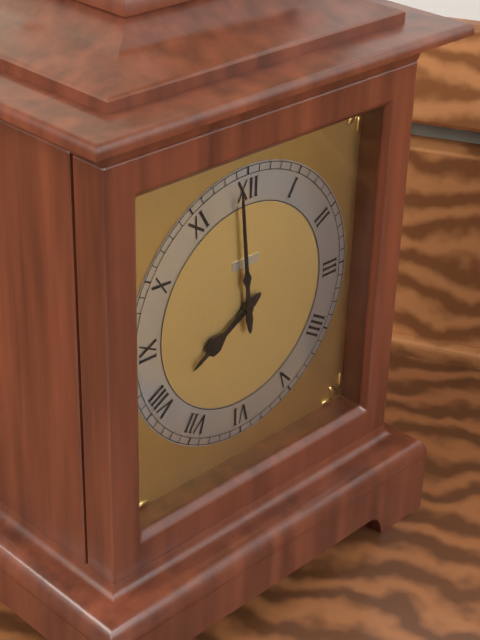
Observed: 7 h 59 min
